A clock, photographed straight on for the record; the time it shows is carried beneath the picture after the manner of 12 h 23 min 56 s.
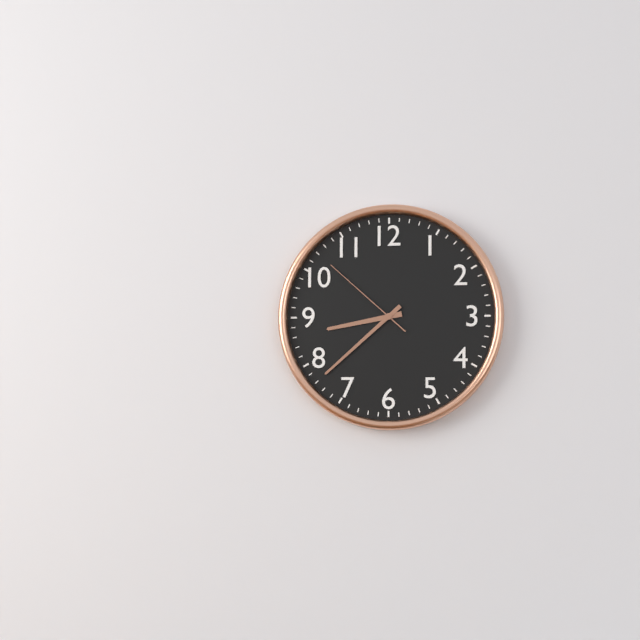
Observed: 8 h 38 min 52 s
